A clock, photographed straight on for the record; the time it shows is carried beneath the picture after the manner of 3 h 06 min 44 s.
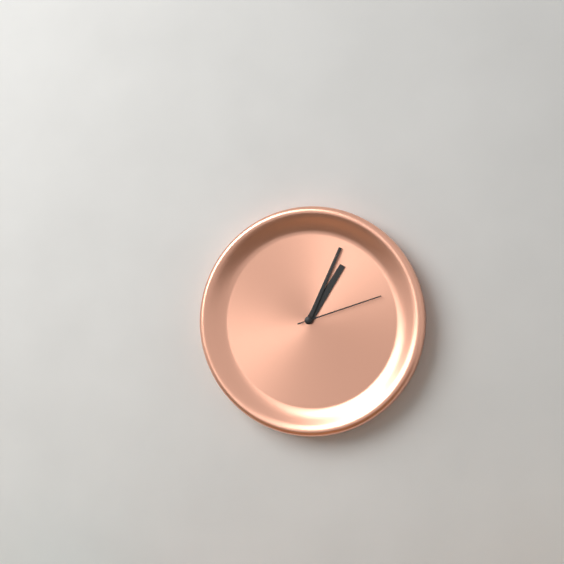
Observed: 1 h 04 min 12 s
